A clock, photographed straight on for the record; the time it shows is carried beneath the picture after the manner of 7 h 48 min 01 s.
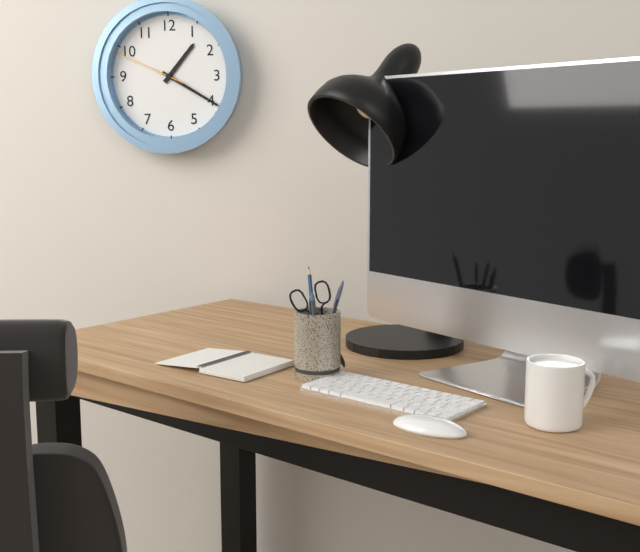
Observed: 1 h 20 min 49 s
